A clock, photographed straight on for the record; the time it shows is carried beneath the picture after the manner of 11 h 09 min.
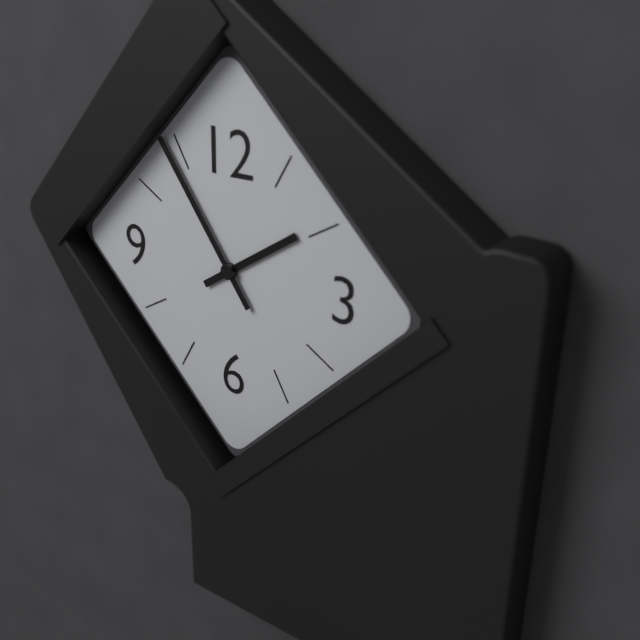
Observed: 1 h 54 min
